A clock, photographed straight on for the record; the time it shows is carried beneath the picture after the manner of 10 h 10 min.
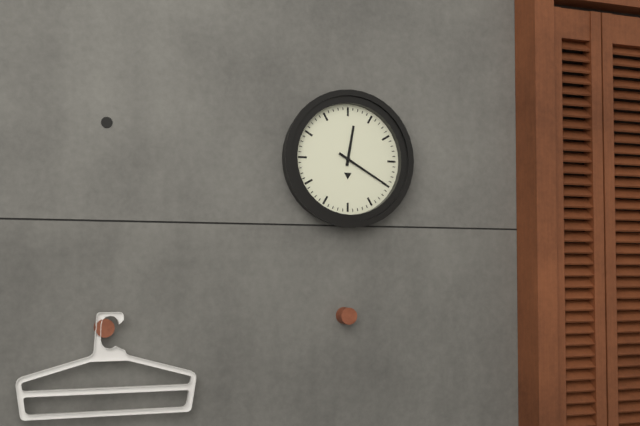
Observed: 12 h 20 min
